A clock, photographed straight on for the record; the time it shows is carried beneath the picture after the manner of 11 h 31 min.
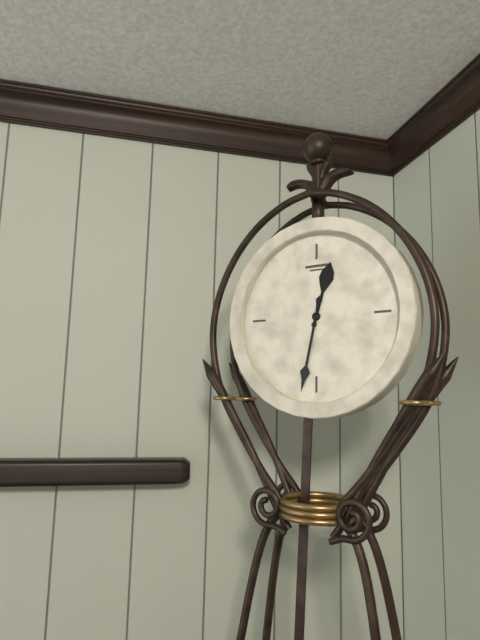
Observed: 12 h 32 min
